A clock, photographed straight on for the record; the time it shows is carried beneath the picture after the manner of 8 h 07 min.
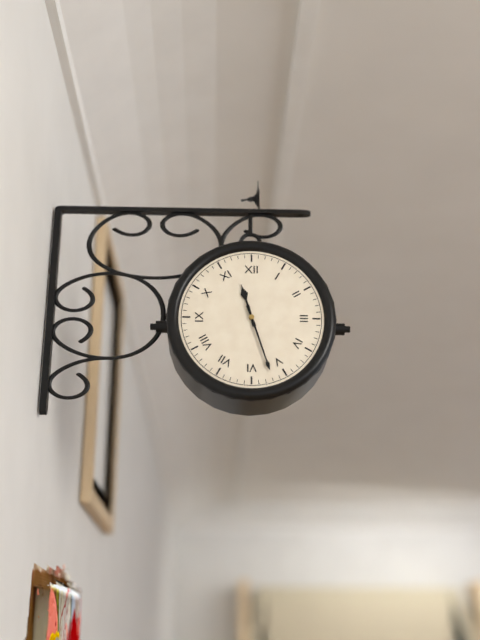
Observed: 11 h 27 min
